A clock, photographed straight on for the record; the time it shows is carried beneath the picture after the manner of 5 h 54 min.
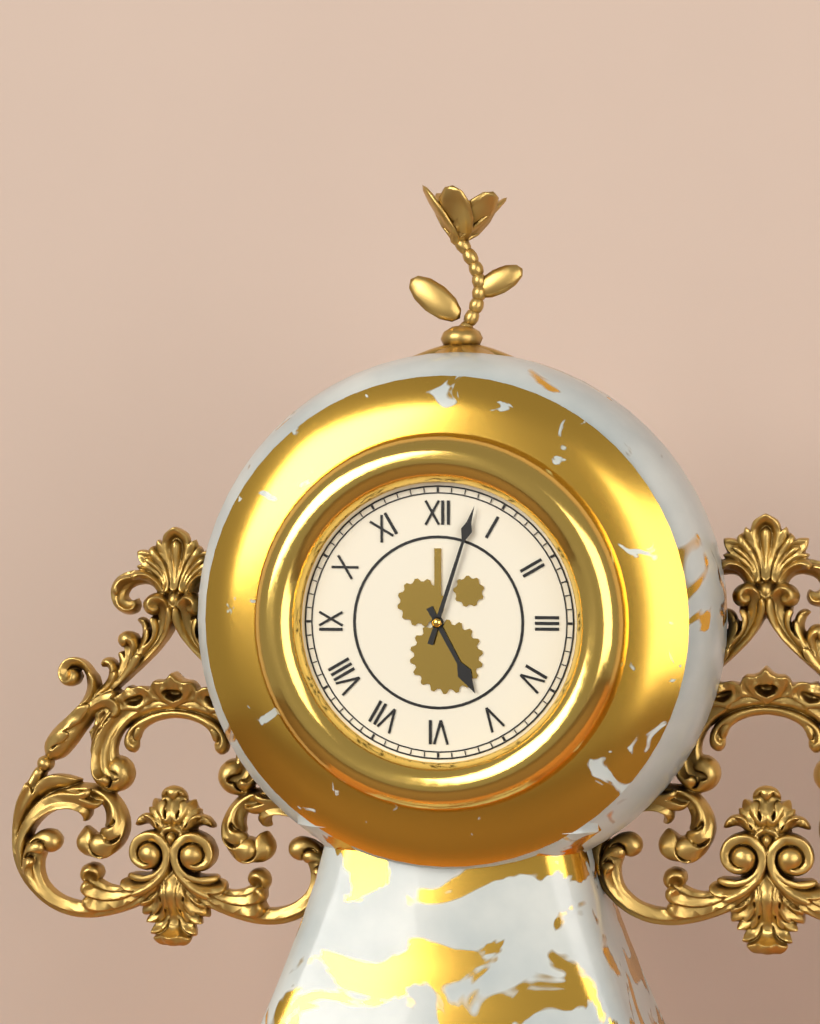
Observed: 5 h 03 min
